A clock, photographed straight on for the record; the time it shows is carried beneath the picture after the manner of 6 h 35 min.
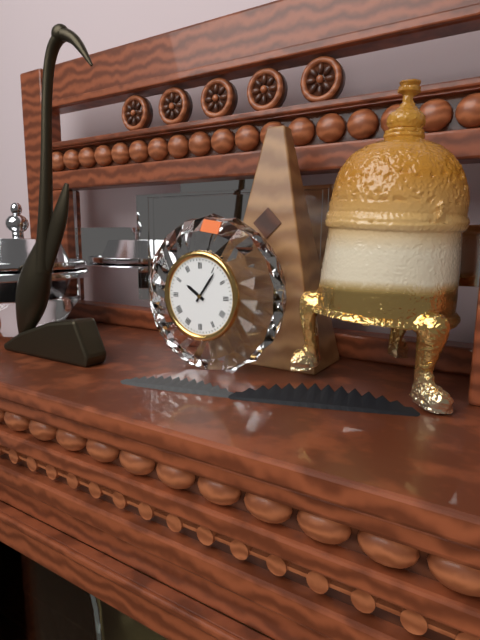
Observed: 10 h 06 min
